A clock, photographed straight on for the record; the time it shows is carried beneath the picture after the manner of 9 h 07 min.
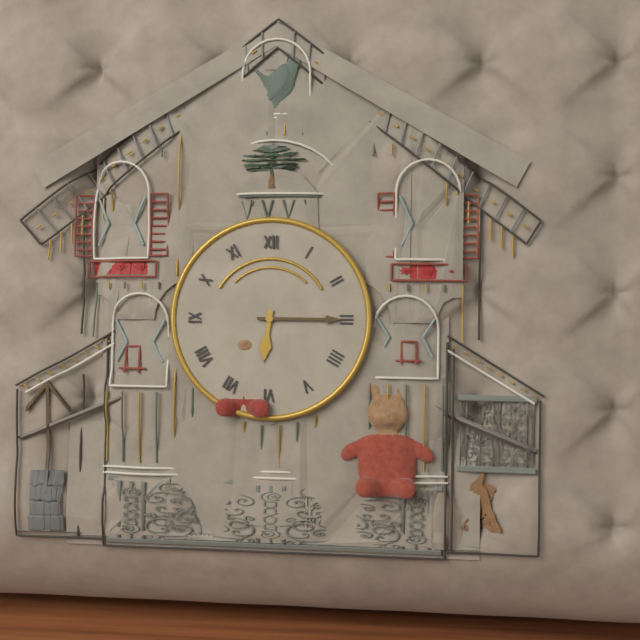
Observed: 6 h 15 min
